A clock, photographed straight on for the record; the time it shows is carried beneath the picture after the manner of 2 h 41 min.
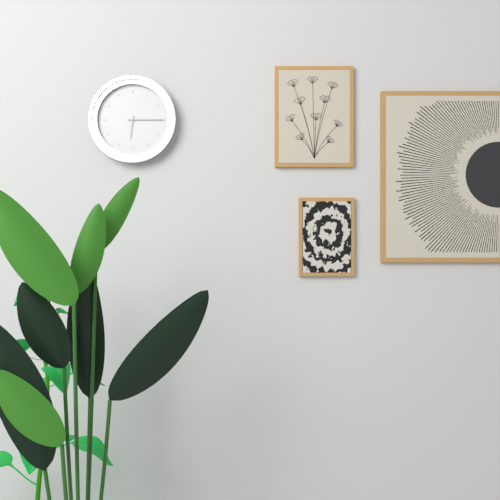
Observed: 6 h 15 min
